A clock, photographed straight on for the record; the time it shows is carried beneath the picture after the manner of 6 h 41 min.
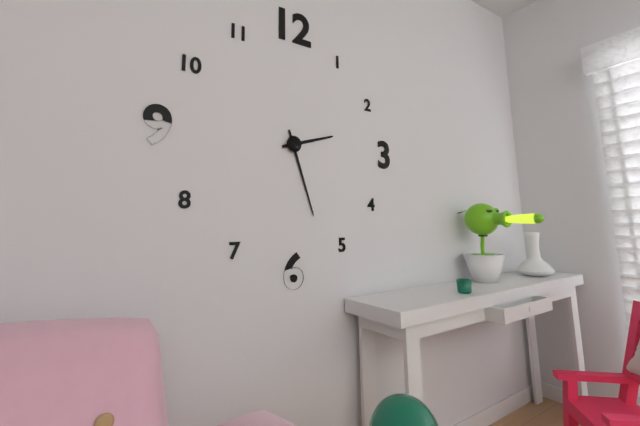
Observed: 2 h 27 min
